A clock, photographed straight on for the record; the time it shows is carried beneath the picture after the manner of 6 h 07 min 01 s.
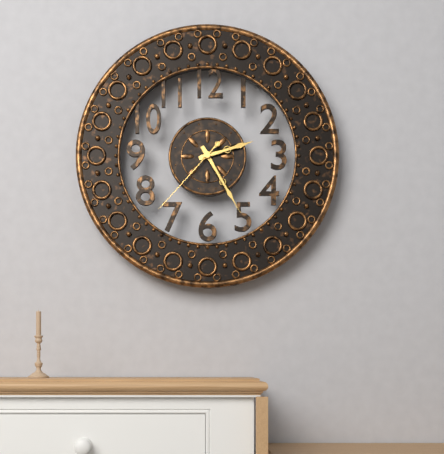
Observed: 2 h 25 min 37 s
